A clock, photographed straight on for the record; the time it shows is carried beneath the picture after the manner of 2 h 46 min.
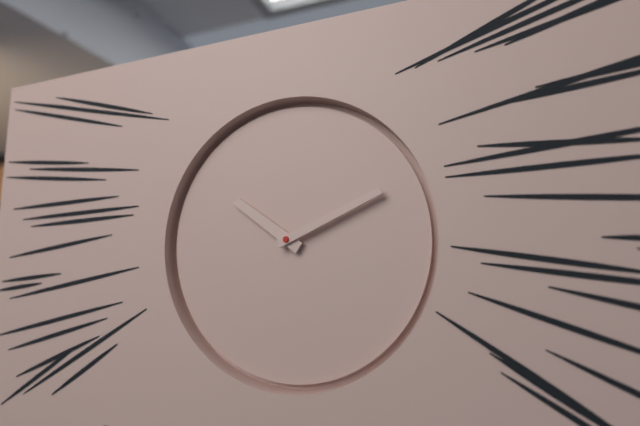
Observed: 10 h 11 min
